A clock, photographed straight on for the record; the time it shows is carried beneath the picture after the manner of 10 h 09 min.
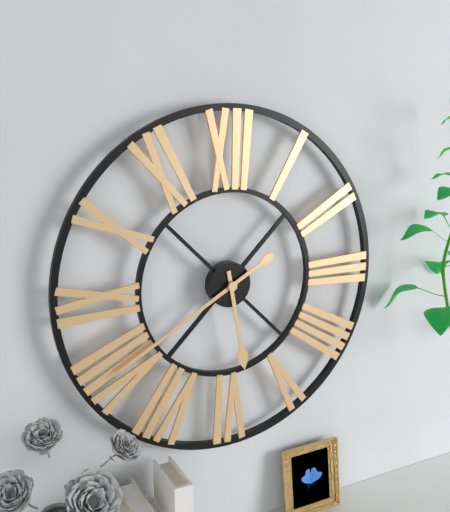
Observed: 5 h 40 min
